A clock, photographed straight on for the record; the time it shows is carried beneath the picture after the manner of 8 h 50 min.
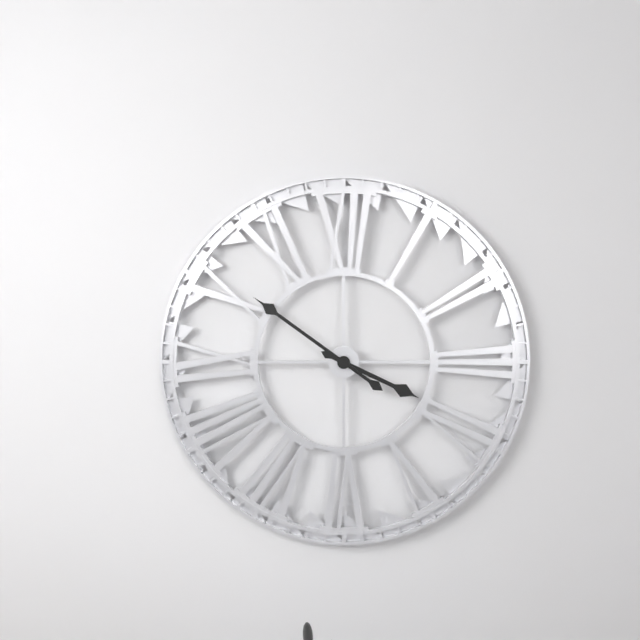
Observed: 3 h 51 min
